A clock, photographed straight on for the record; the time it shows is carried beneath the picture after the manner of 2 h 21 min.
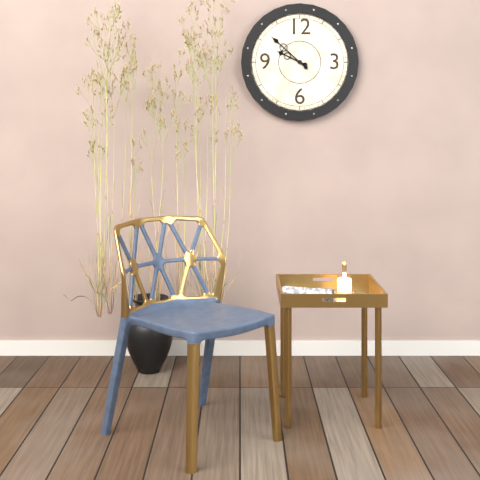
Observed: 9 h 52 min
